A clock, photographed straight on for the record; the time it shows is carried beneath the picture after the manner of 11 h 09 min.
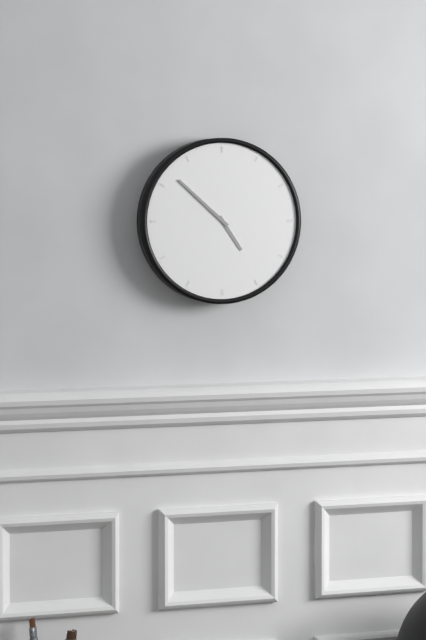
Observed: 4 h 52 min
